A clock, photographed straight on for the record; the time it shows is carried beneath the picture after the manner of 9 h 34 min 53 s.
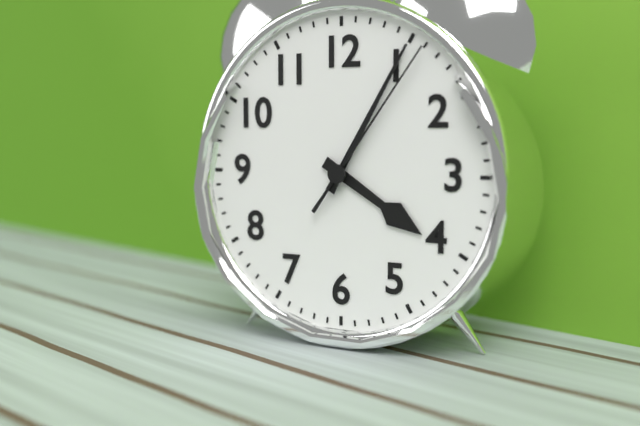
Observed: 4 h 05 min 06 s
